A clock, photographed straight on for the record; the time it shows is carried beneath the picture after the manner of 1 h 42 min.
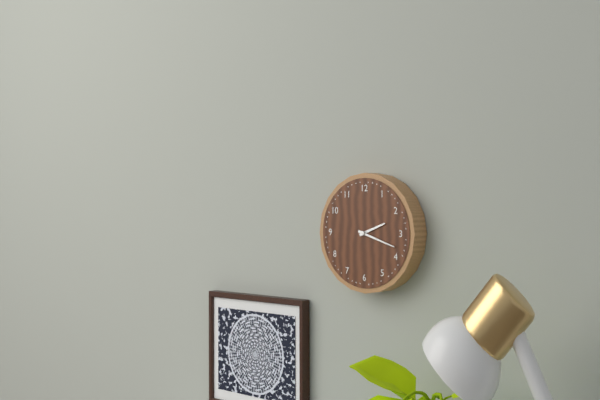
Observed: 2 h 18 min
